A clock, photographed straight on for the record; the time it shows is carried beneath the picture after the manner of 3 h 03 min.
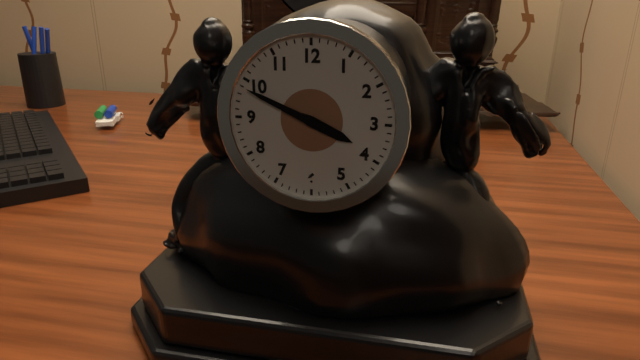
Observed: 3 h 49 min
